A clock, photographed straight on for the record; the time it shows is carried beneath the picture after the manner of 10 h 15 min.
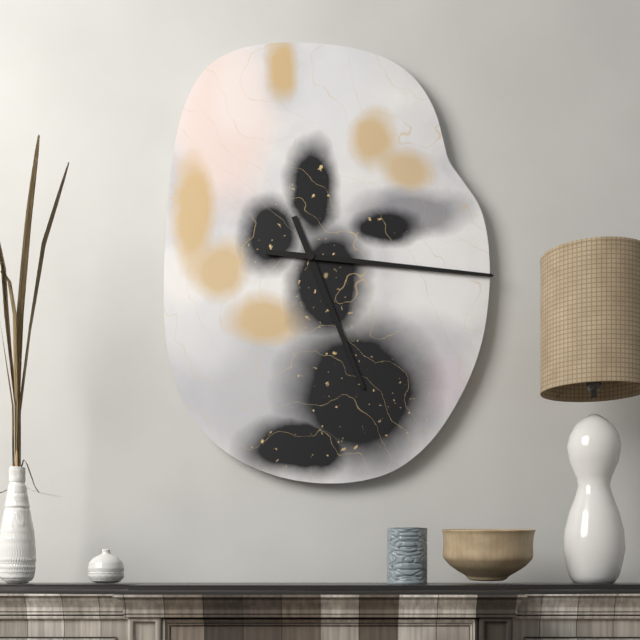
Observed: 5 h 16 min
